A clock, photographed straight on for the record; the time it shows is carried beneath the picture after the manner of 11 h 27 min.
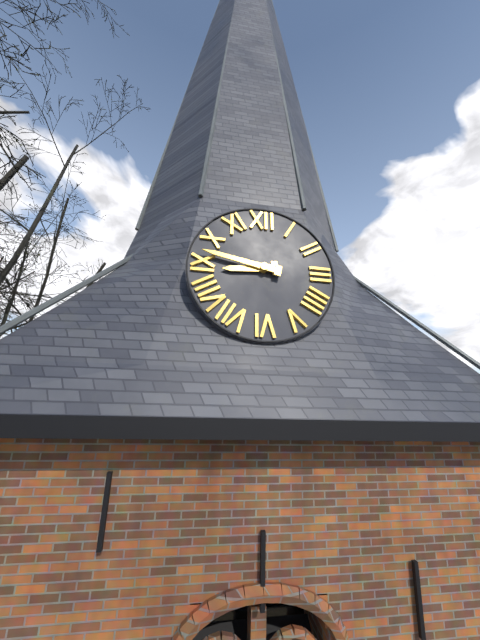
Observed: 8 h 47 min
